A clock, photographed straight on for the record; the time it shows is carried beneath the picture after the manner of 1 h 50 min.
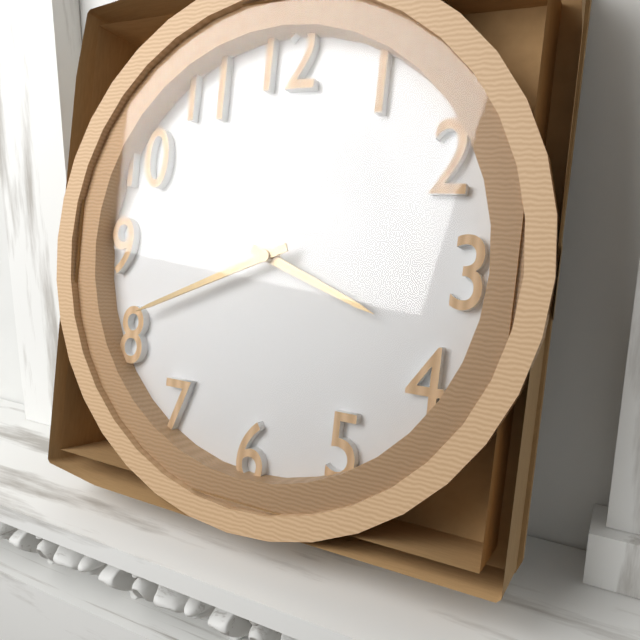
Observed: 3 h 41 min
